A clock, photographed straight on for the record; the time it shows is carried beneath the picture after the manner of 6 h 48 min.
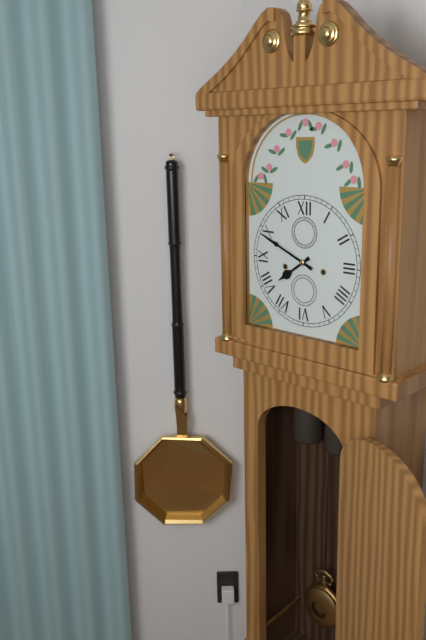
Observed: 7 h 49 min
